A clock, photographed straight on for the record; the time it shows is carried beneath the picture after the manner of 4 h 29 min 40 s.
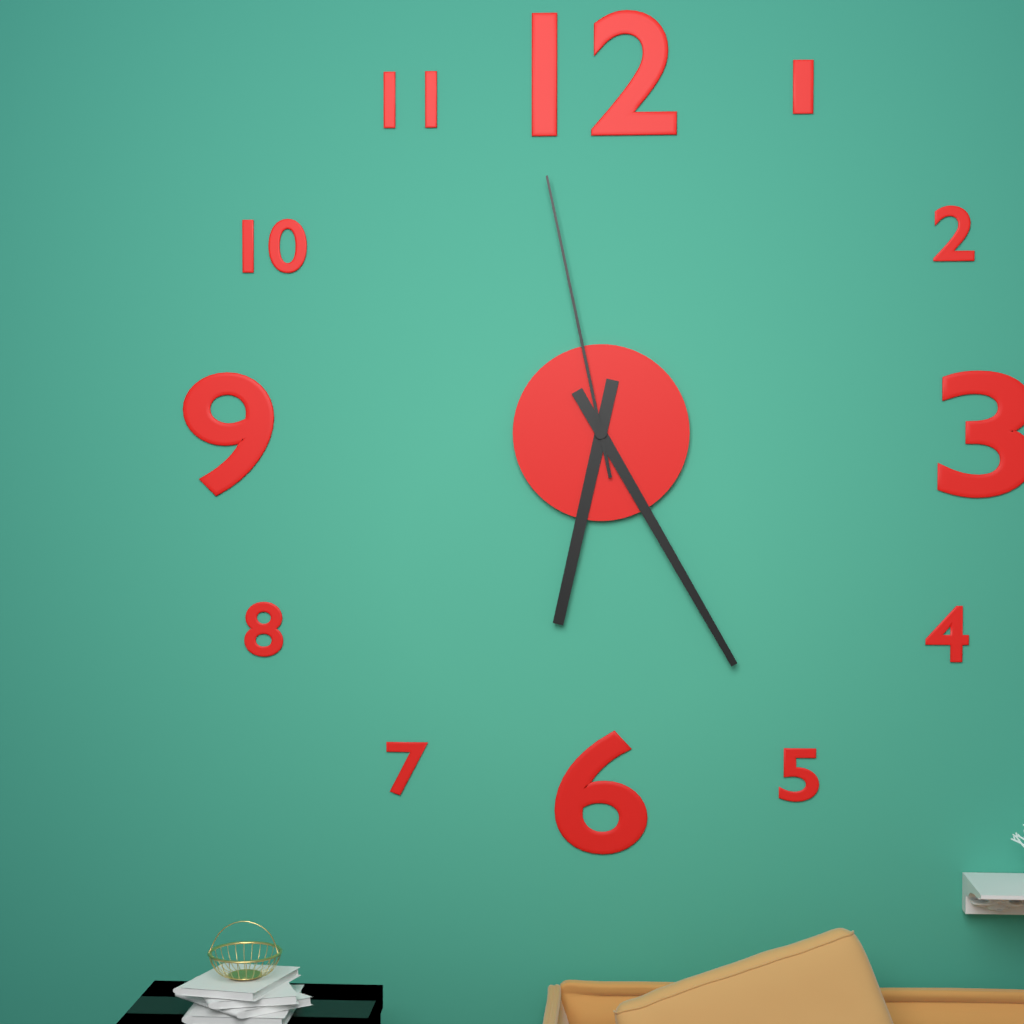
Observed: 6 h 25 min 58 s
